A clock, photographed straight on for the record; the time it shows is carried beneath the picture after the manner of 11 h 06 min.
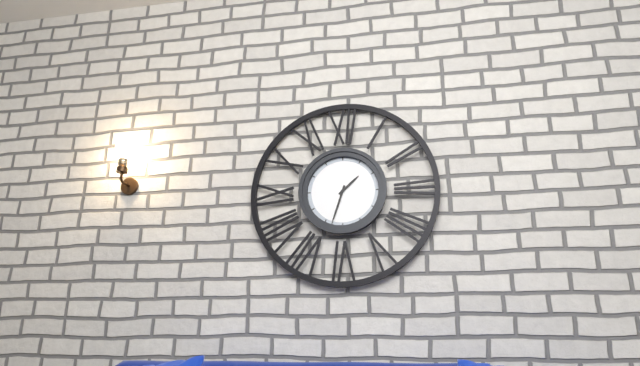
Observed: 1 h 33 min
